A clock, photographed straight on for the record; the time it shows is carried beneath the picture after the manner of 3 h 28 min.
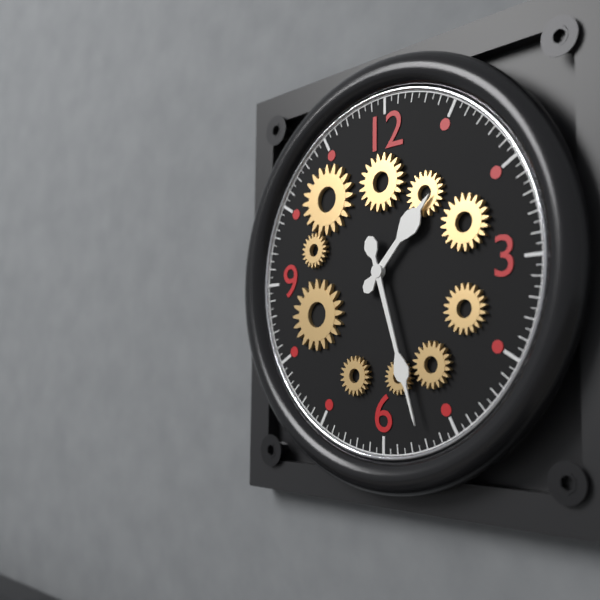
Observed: 1 h 27 min
